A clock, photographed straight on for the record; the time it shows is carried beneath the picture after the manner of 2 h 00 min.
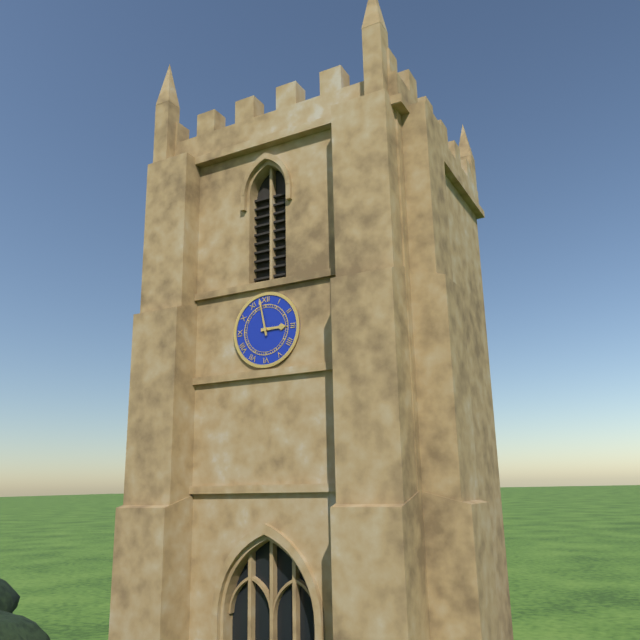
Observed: 2 h 58 min
